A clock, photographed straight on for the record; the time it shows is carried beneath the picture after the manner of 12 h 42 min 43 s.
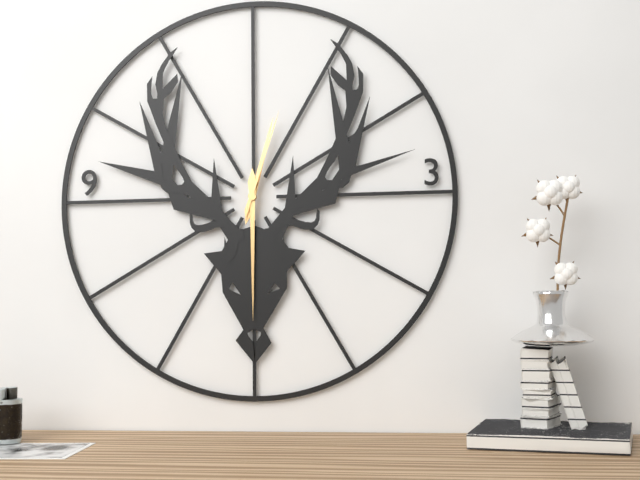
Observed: 12 h 30 min 03 s
